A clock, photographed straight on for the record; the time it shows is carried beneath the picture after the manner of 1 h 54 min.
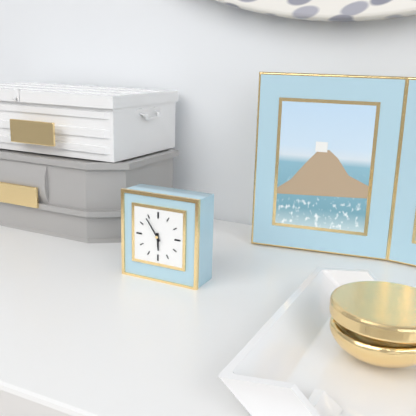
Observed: 5 h 54 min
